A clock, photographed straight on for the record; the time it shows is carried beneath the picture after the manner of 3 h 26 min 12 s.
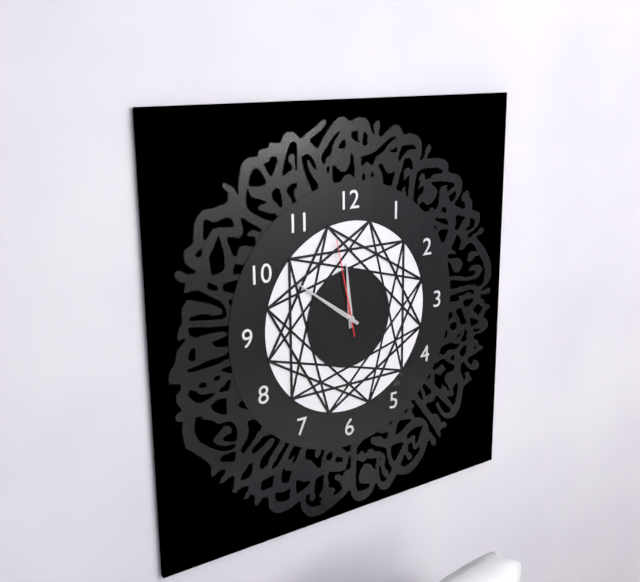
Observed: 11 h 51 min 58 s
